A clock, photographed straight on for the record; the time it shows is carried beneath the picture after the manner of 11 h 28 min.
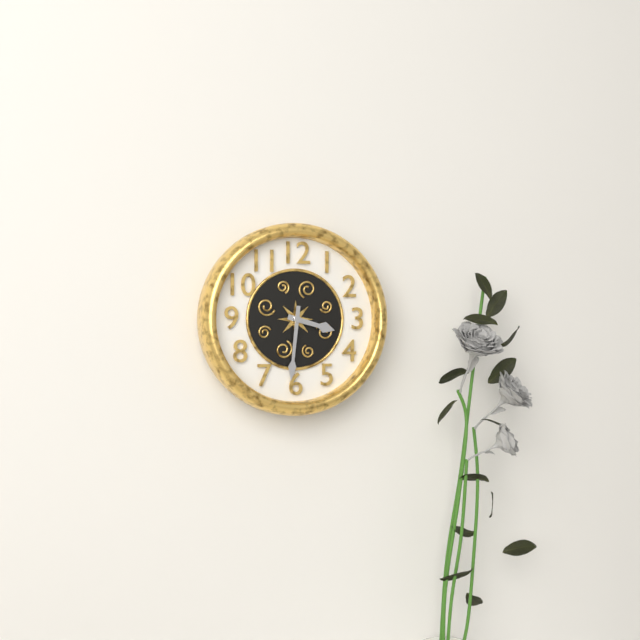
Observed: 3 h 31 min
